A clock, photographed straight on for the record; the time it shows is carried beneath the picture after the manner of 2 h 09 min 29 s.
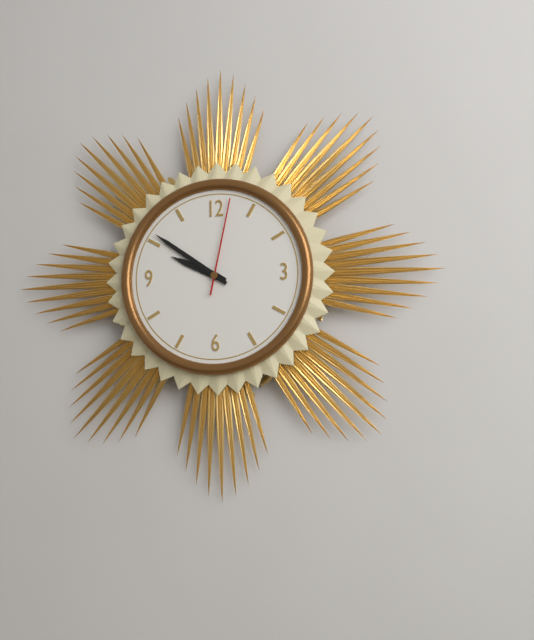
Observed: 9 h 51 min 02 s
